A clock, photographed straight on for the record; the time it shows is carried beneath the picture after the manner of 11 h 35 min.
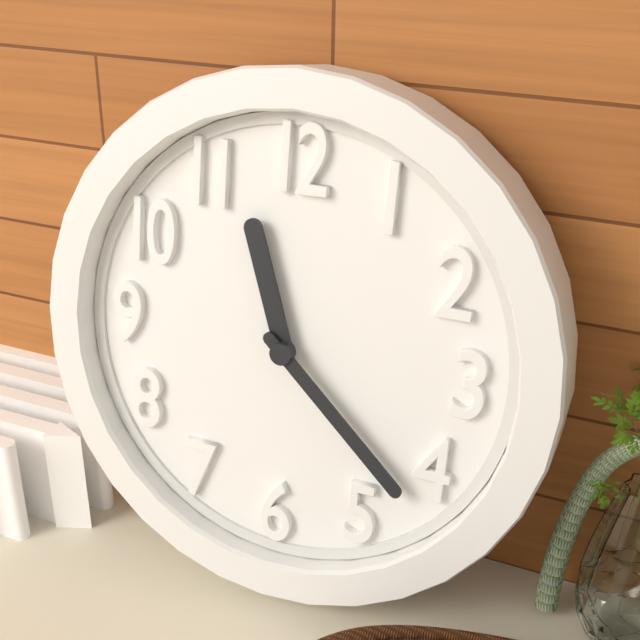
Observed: 11 h 22 min
